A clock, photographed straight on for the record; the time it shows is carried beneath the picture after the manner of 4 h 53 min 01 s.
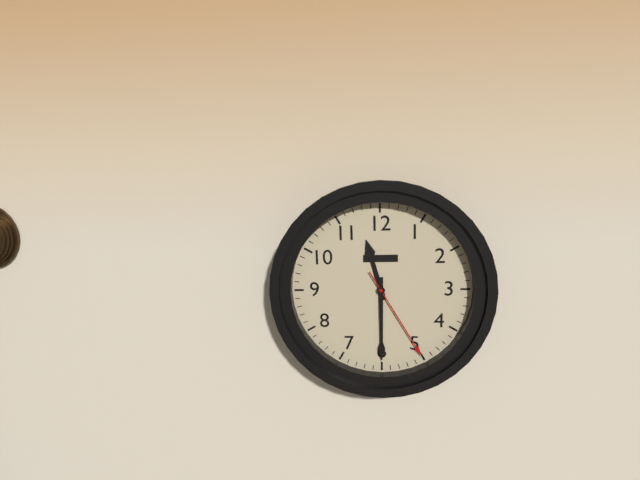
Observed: 11 h 30 min 25 s
